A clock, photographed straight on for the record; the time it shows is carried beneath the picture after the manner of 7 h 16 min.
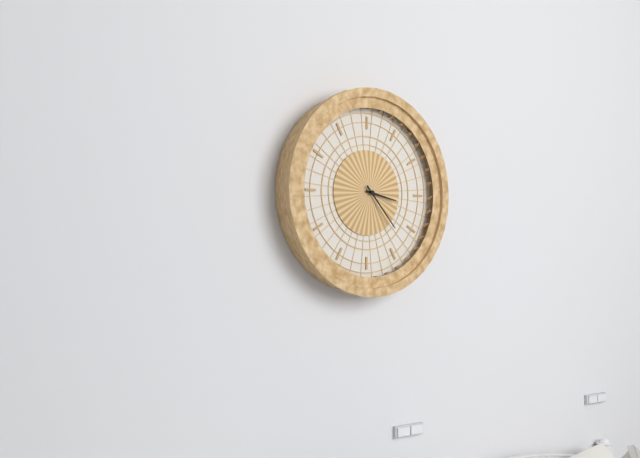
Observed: 3 h 23 min
